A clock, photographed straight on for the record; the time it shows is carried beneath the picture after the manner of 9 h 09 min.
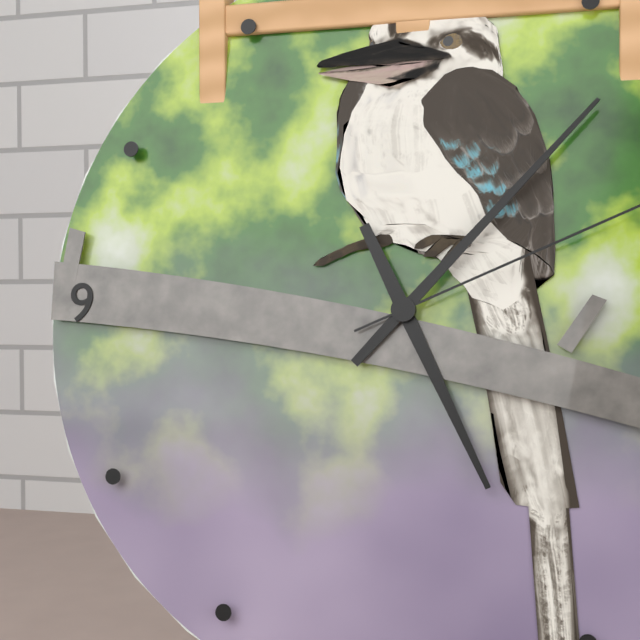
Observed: 5 h 07 min
